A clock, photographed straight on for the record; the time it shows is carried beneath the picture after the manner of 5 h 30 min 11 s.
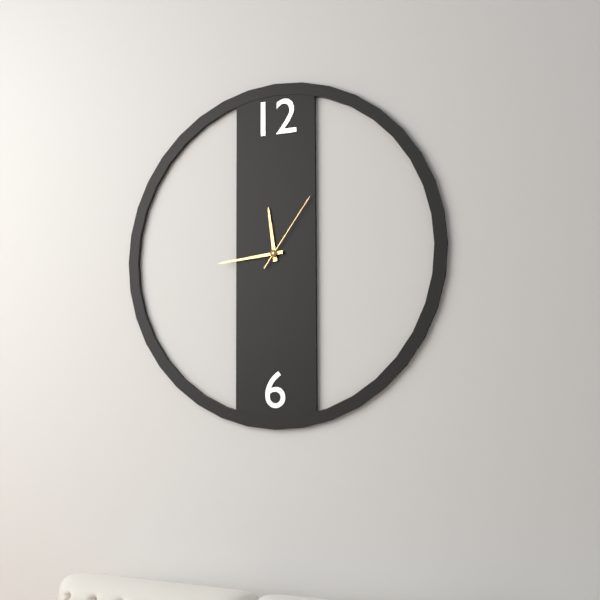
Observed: 11 h 44 min 06 s
